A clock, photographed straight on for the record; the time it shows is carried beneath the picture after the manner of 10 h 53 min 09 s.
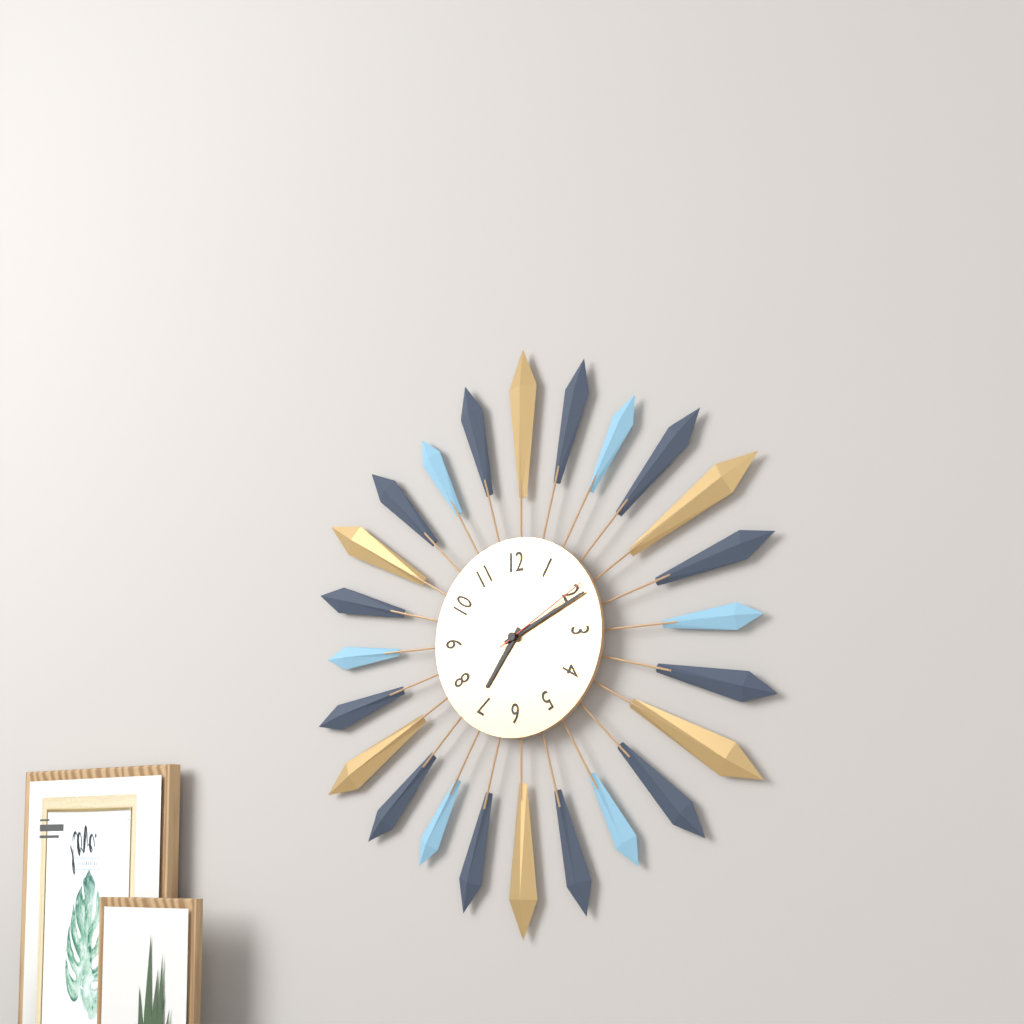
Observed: 7 h 11 min 10 s
